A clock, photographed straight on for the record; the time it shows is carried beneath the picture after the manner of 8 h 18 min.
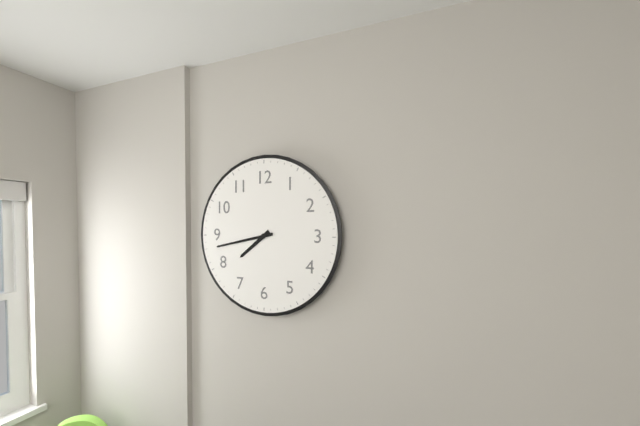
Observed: 7 h 43 min
